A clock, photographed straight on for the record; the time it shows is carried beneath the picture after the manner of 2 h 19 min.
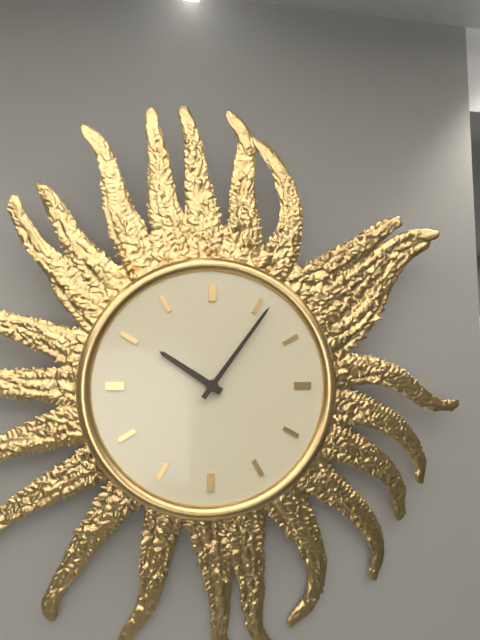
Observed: 10 h 06 min
